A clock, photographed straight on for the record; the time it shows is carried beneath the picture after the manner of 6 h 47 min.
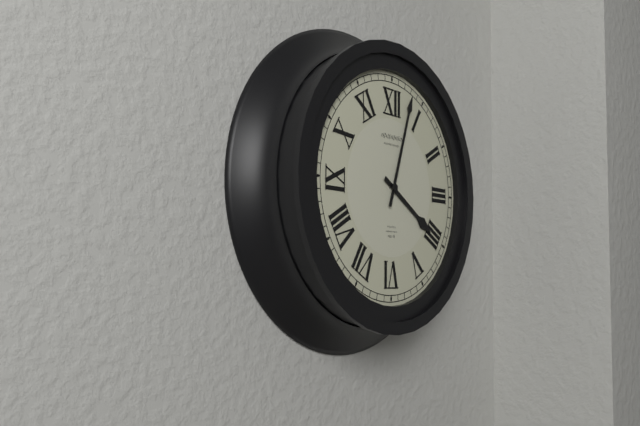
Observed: 4 h 03 min
